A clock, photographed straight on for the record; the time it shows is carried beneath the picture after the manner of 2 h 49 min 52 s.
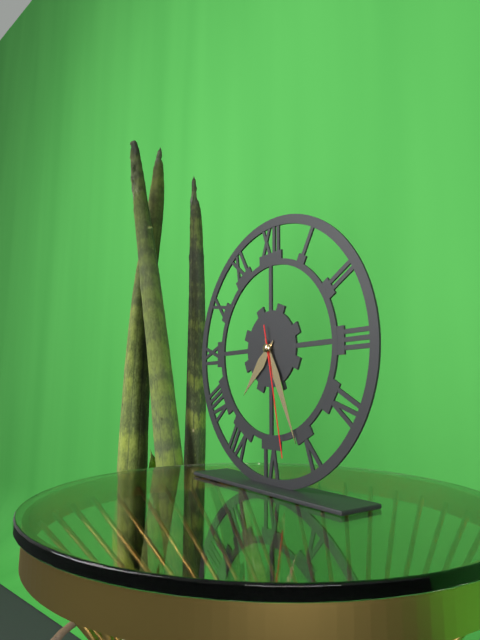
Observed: 7 h 26 min 28 s
